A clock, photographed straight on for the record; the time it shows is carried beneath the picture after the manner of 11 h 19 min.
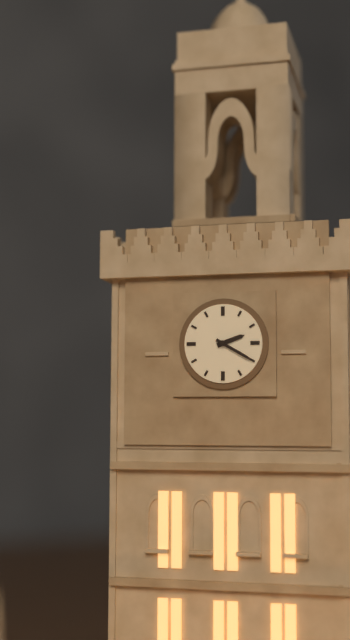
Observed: 2 h 20 min
